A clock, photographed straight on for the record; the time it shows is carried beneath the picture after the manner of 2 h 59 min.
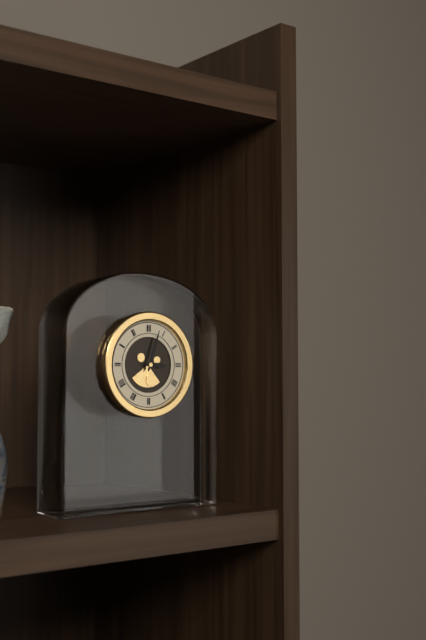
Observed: 3 h 03 min
